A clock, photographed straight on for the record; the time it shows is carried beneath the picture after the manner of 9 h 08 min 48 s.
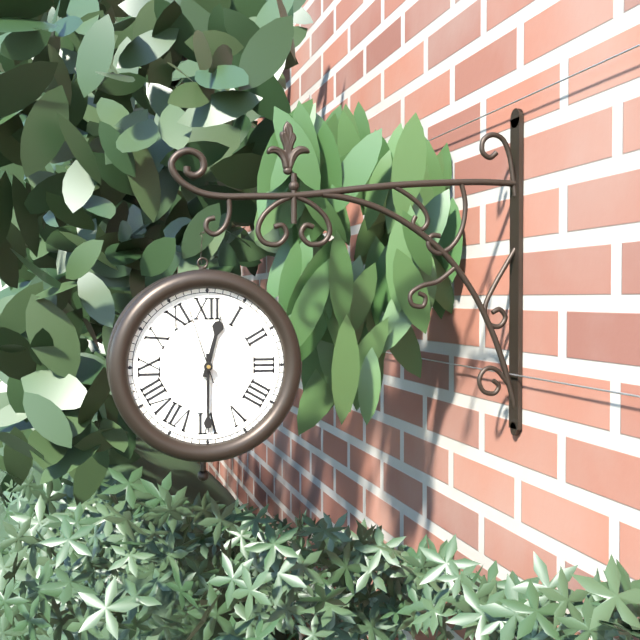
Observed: 12 h 30 min 57 s
